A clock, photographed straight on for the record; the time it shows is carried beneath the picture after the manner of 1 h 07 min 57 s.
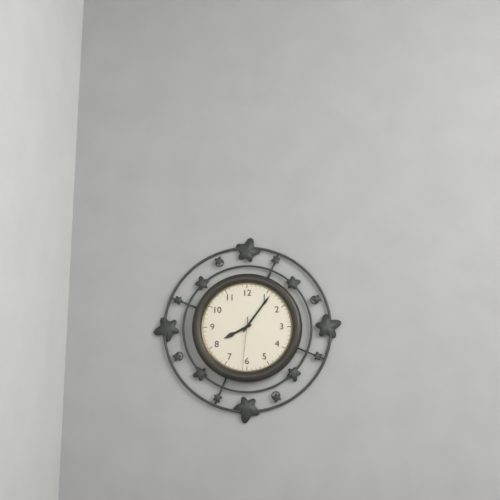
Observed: 8 h 06 min 31 s
